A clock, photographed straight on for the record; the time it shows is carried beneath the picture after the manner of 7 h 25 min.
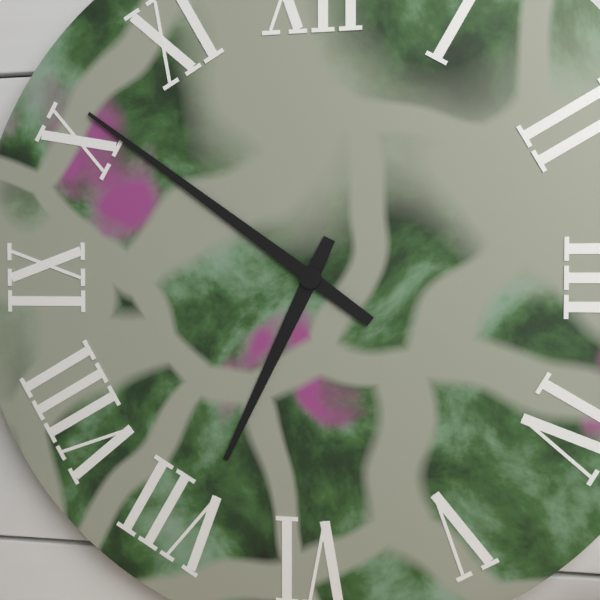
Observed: 6 h 51 min
